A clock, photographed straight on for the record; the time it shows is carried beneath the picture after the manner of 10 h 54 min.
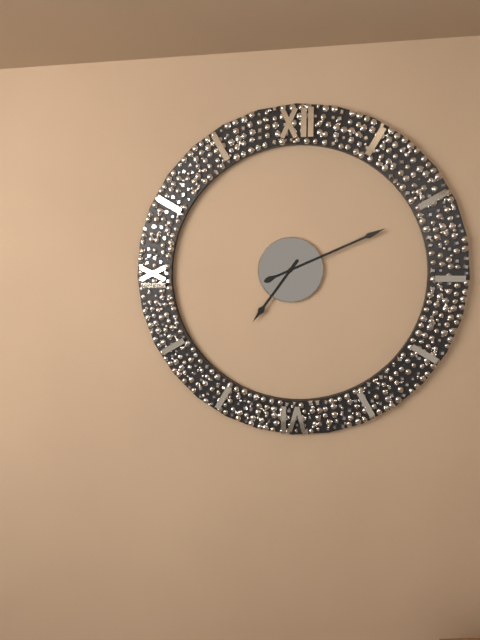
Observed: 7 h 11 min
